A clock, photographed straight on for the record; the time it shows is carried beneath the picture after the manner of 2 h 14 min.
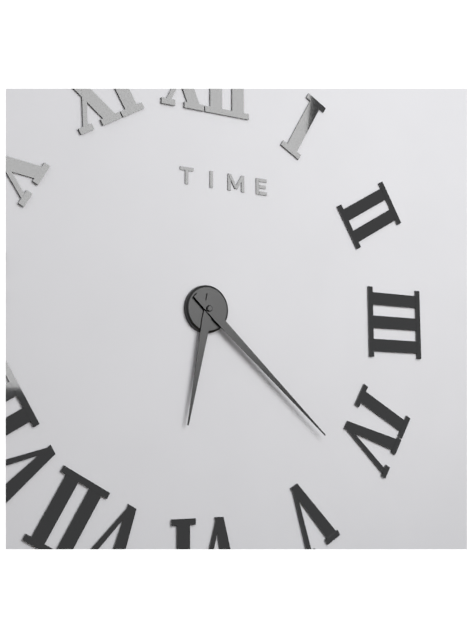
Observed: 6 h 22 min
